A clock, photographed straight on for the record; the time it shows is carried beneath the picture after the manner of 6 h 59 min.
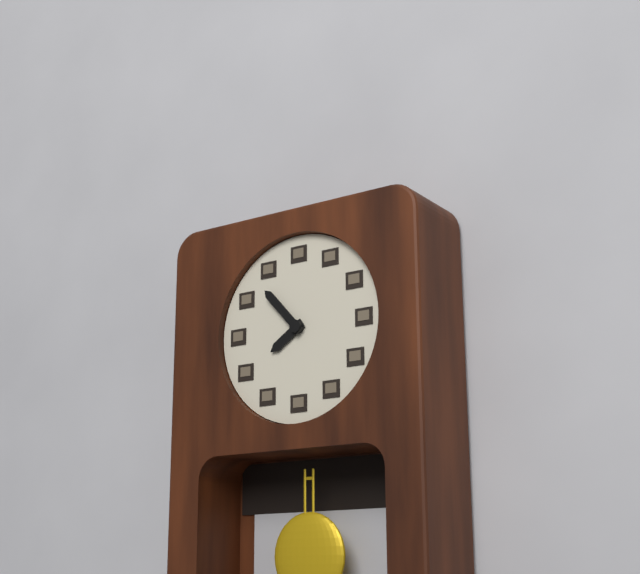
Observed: 7 h 53 min
